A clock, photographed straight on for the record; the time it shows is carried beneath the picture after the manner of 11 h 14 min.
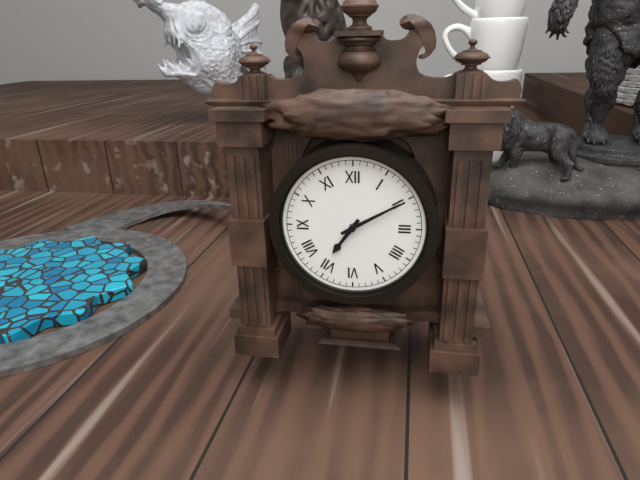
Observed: 7 h 10 min
